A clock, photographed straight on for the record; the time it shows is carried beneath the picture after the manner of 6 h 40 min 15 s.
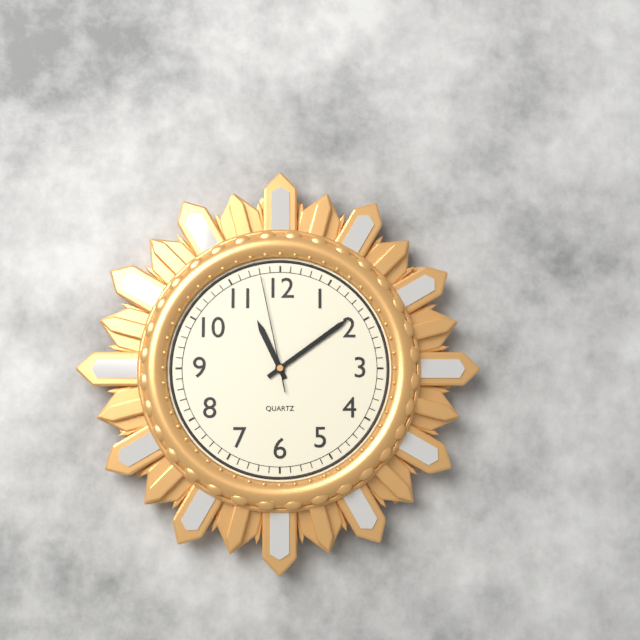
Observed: 11 h 09 min 58 s
